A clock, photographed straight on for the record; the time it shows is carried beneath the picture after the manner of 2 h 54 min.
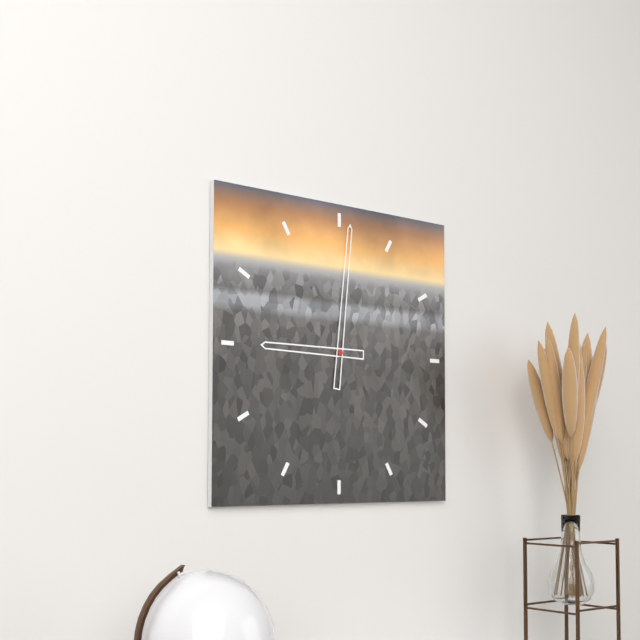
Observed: 9 h 01 min
